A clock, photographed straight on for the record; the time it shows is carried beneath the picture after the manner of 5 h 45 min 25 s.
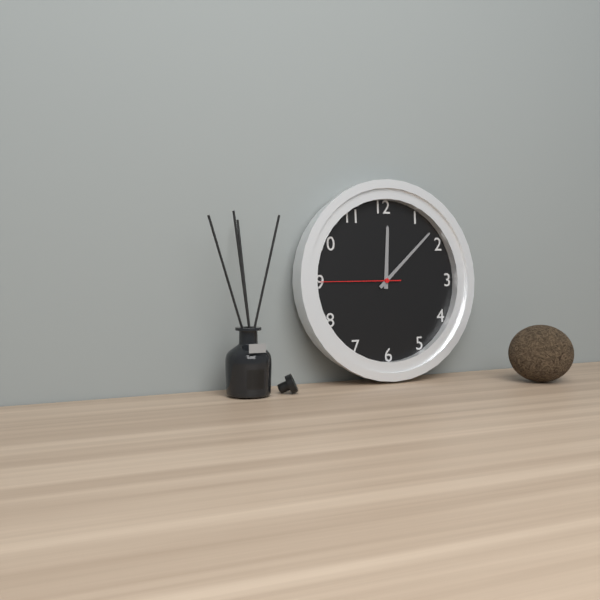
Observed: 12 h 08 min 45 s
